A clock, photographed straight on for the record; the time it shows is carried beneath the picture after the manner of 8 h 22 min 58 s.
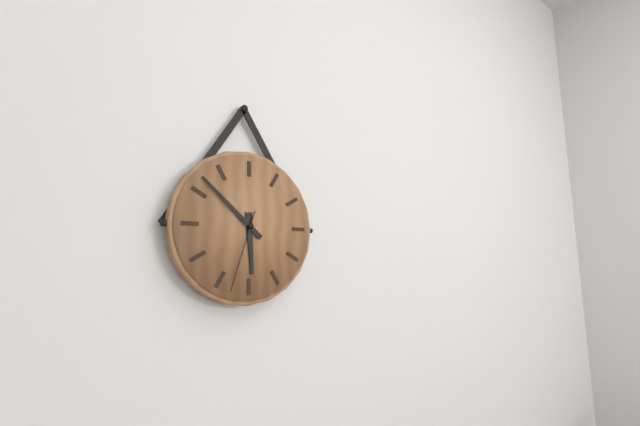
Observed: 5 h 52 min 33 s
